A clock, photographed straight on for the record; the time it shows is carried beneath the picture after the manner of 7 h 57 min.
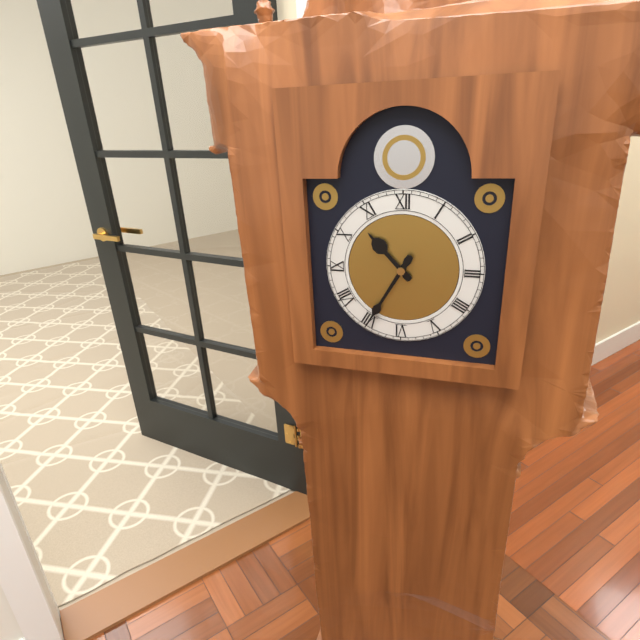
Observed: 10 h 35 min
